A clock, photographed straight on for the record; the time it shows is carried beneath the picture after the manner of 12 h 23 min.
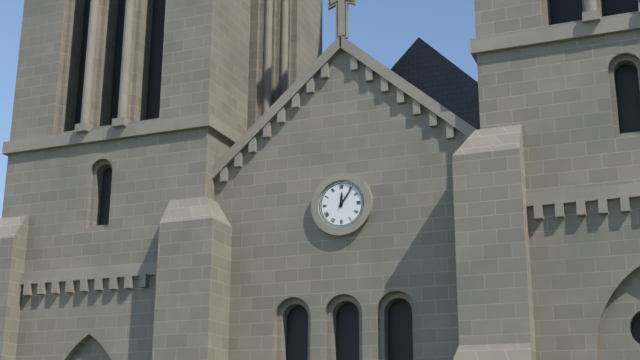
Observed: 12 h 06 min
